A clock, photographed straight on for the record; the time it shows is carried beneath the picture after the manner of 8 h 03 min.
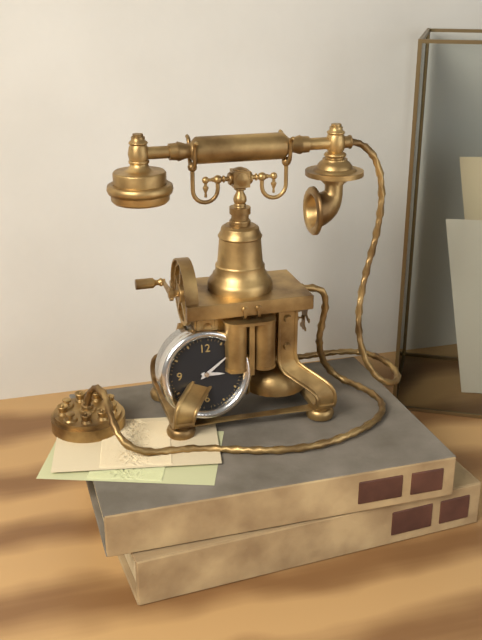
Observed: 3 h 09 min
